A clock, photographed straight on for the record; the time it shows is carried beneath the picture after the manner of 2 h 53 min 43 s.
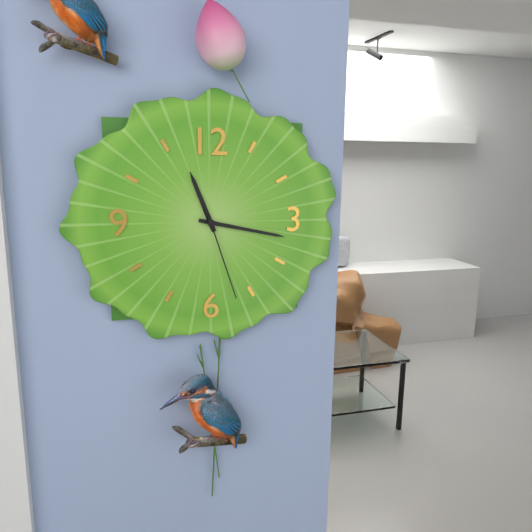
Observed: 11 h 17 min 27 s
